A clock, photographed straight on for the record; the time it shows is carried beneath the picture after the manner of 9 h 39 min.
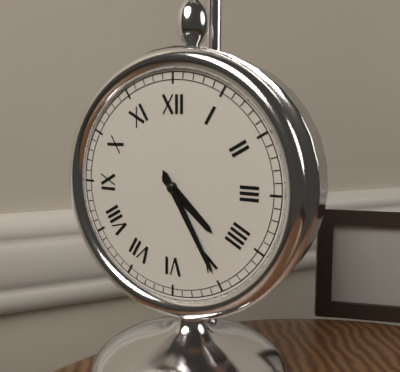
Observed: 4 h 25 min
